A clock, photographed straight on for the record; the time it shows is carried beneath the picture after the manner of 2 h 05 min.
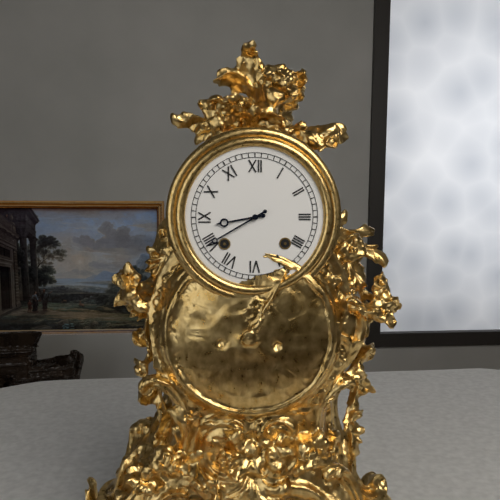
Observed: 8 h 40 min
